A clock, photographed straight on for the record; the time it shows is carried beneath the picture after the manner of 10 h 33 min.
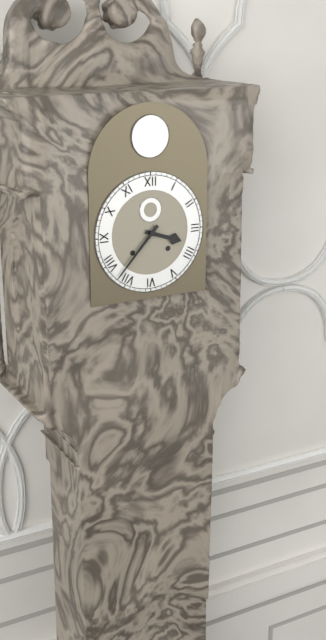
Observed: 3 h 37 min
